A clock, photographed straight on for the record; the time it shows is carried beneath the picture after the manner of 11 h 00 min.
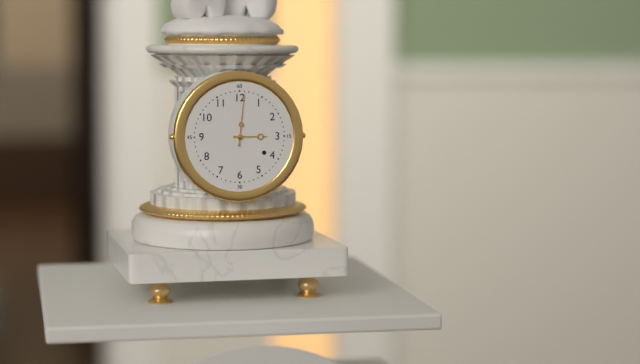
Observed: 3 h 01 min
